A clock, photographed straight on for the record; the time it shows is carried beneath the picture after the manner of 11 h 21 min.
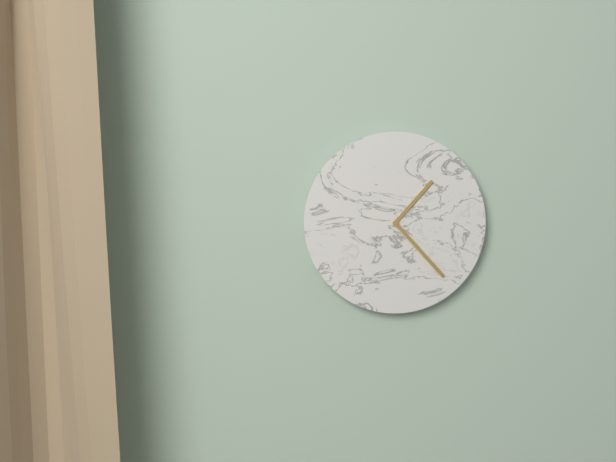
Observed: 1 h 23 min
